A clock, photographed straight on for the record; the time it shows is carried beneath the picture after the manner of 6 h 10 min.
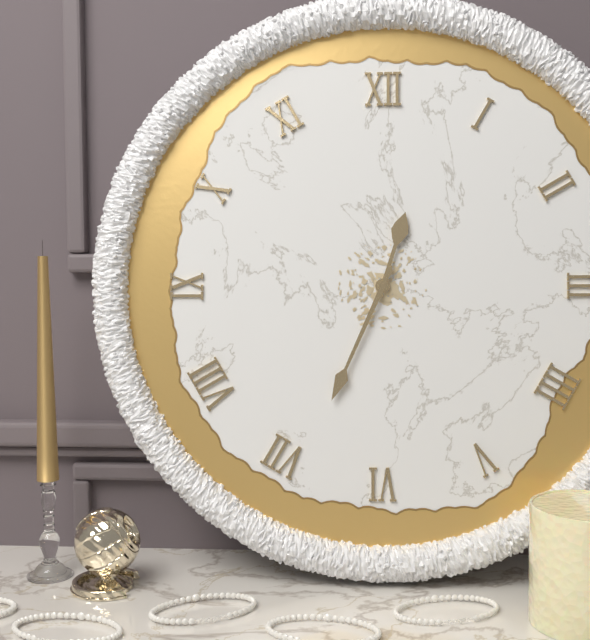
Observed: 12 h 34 min
